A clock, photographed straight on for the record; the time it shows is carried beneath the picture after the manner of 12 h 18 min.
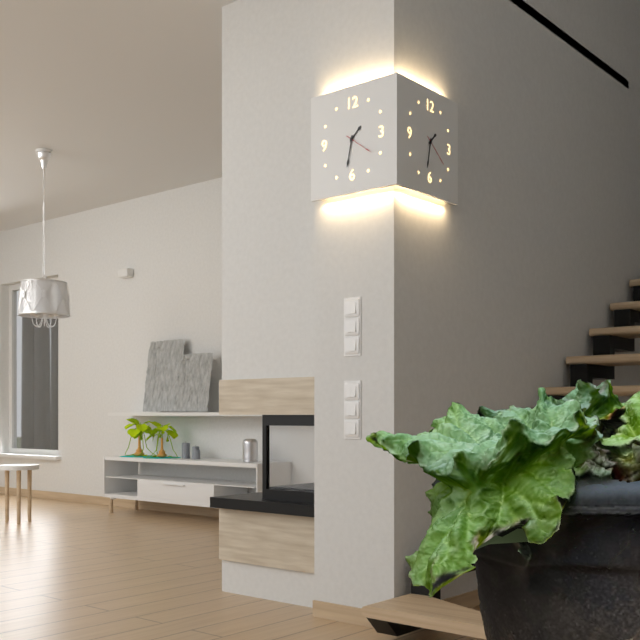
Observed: 1 h 32 min
